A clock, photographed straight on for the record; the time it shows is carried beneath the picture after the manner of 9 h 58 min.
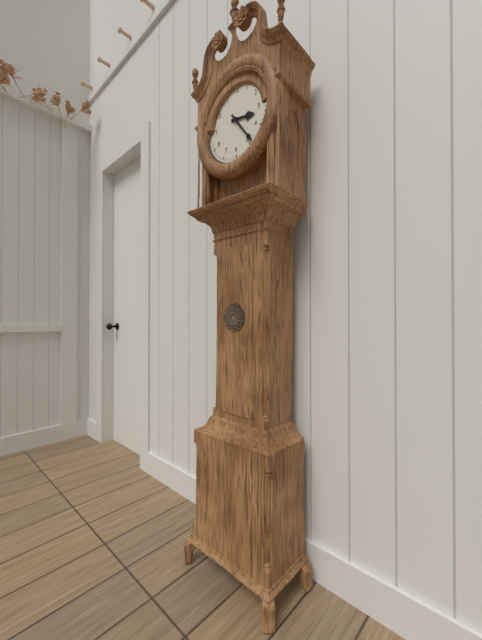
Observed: 3 h 24 min
